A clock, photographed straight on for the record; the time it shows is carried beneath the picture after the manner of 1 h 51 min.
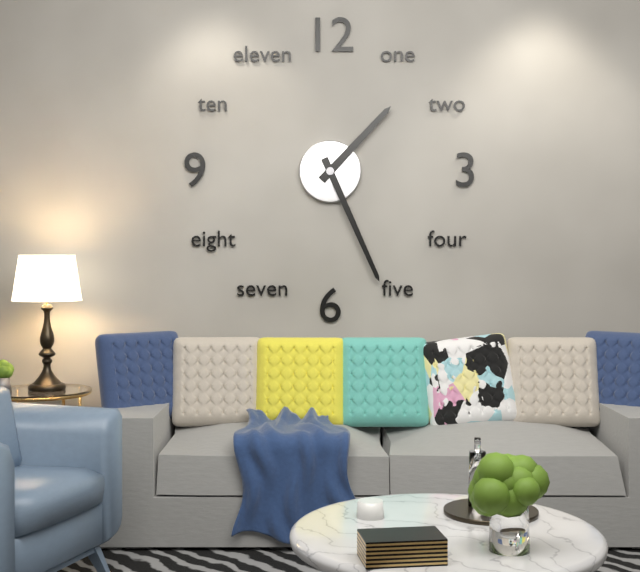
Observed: 1 h 26 min
